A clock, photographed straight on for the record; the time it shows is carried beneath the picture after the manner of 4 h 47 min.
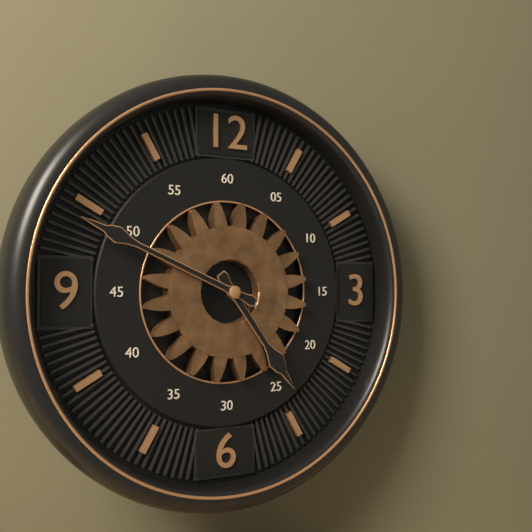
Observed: 4 h 49 min
